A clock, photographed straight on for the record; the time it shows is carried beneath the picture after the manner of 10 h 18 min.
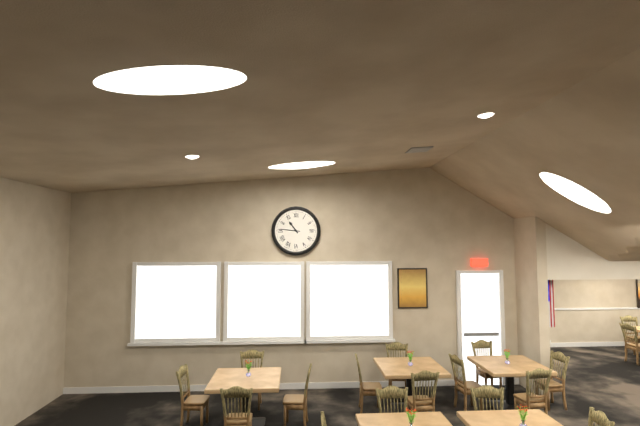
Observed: 10 h 46 min
